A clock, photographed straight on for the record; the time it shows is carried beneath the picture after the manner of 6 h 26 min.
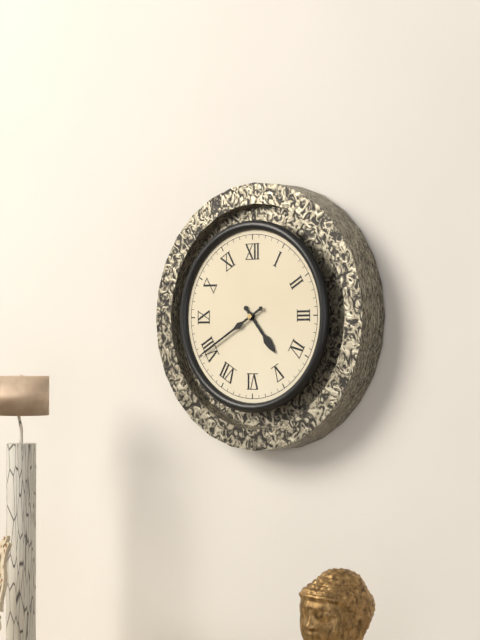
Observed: 4 h 40 min
